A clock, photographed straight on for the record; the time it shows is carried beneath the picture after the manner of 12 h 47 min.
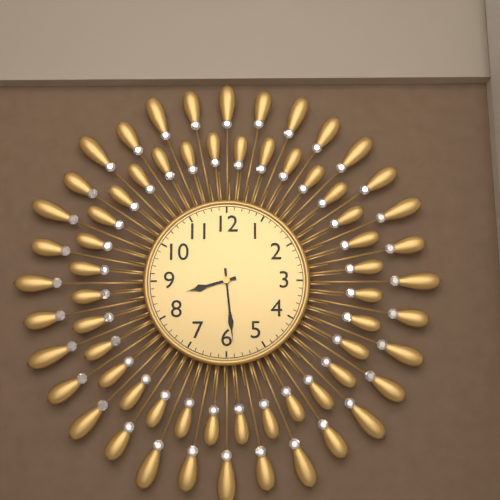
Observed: 8 h 29 min
